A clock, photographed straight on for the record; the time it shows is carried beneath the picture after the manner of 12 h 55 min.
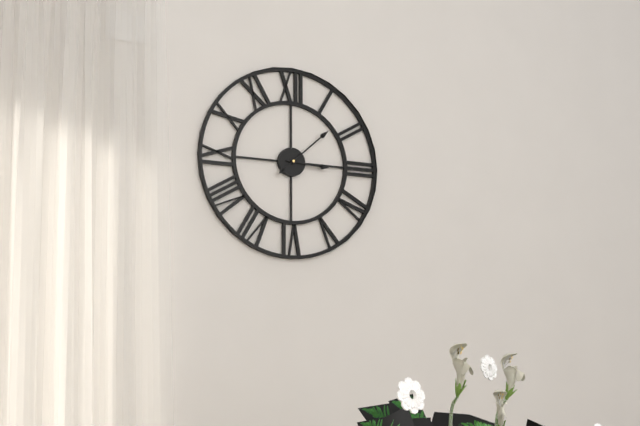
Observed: 3 h 08 min
